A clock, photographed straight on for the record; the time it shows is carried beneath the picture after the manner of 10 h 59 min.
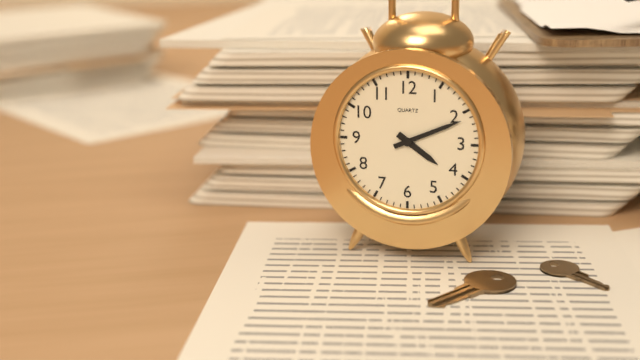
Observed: 4 h 11 min
